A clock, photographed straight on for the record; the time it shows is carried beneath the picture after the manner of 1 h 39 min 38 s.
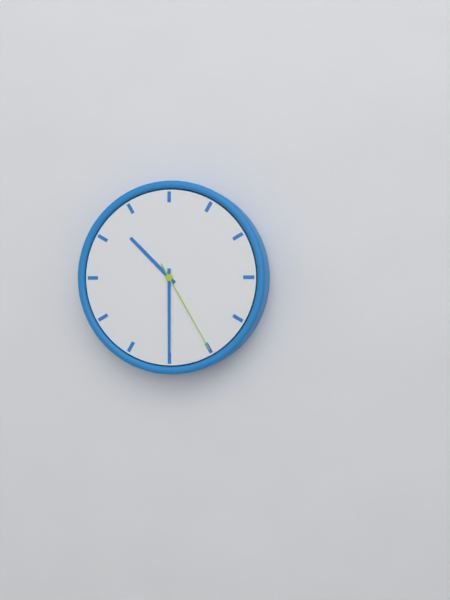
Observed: 10 h 30 min 25 s
